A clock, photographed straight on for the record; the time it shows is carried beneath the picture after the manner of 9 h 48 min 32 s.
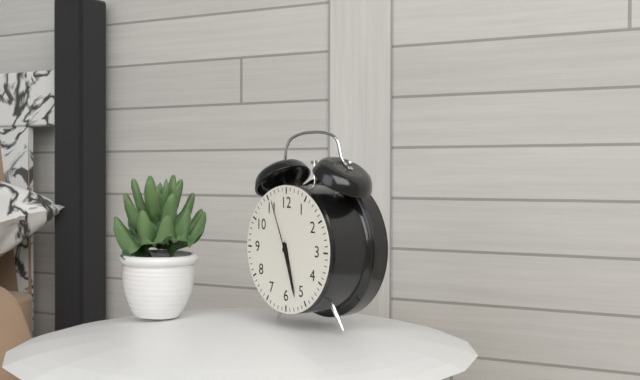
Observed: 5 h 27 min 56 s
